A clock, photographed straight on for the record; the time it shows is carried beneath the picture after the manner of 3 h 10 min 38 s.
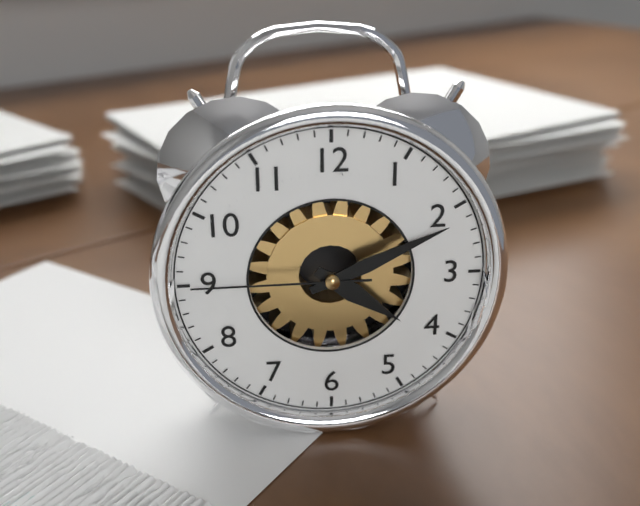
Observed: 4 h 11 min 45 s
